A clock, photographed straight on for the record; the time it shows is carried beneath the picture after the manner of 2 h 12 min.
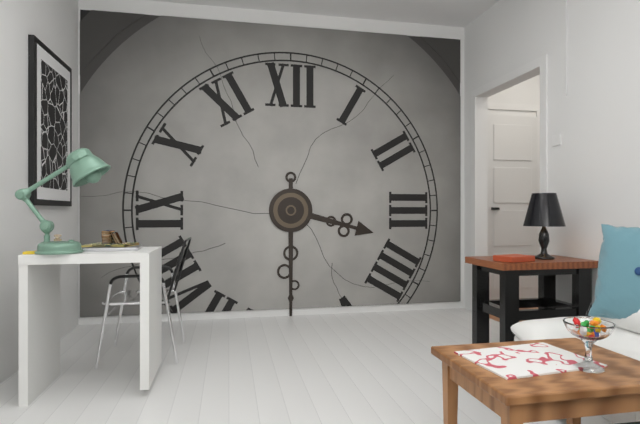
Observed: 3 h 30 min
